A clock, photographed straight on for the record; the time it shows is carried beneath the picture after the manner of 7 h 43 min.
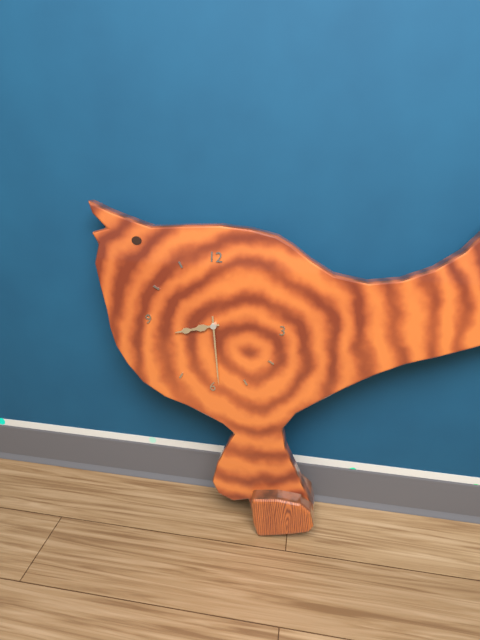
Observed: 8 h 29 min
